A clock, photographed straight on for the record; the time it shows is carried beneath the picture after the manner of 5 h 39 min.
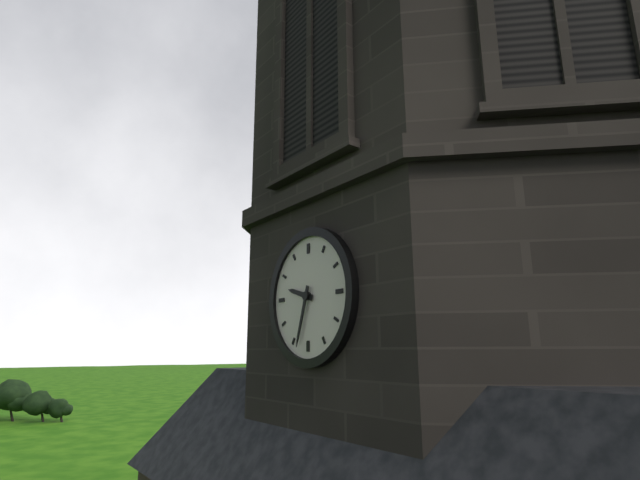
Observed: 9 h 33 min
